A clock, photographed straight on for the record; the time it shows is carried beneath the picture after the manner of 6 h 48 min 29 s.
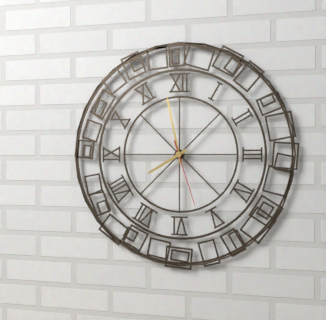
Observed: 7 h 58 min 27 s
